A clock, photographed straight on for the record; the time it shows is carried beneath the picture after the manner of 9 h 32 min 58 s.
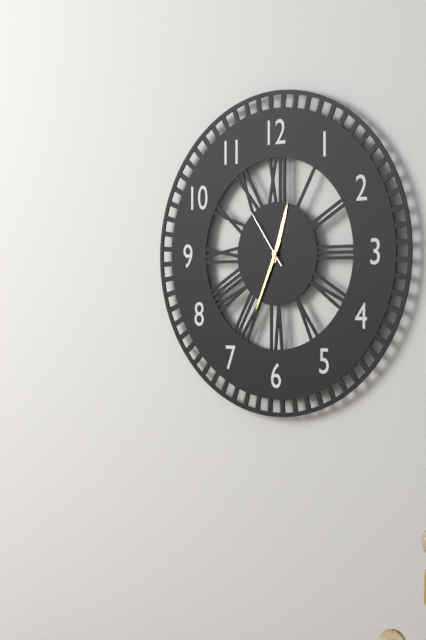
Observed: 12 h 34 min 54 s
